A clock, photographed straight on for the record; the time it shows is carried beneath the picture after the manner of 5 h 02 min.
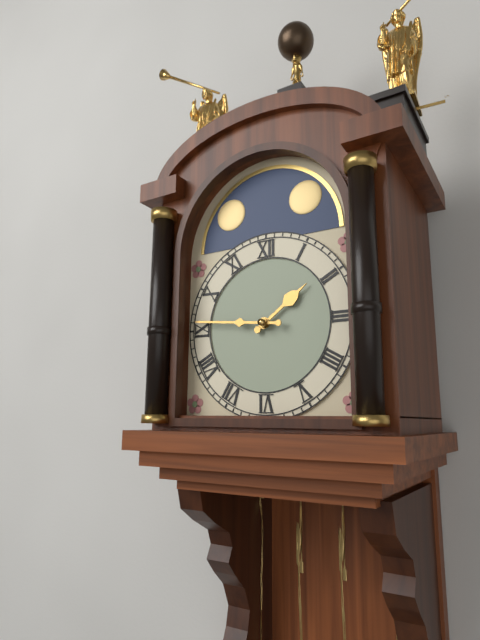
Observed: 1 h 46 min
